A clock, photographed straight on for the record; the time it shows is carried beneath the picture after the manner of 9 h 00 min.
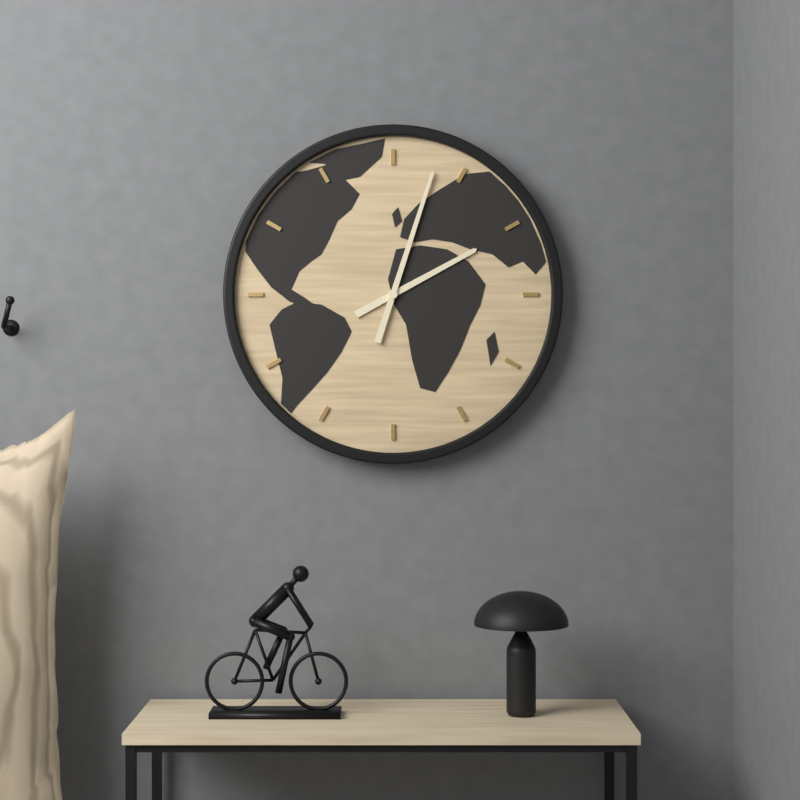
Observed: 2 h 03 min
